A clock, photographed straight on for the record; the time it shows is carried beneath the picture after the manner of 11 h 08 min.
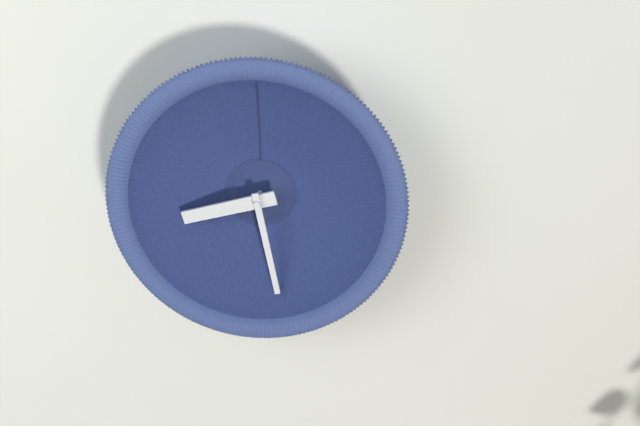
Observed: 8 h 28 min
